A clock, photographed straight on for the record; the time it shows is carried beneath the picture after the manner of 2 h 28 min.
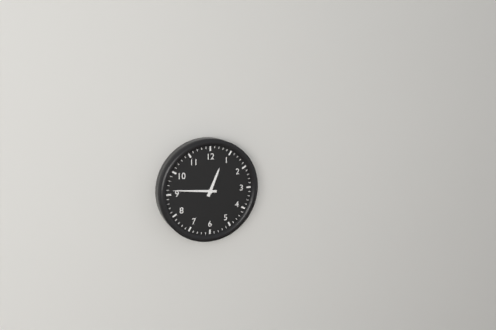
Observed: 12 h 46 min
